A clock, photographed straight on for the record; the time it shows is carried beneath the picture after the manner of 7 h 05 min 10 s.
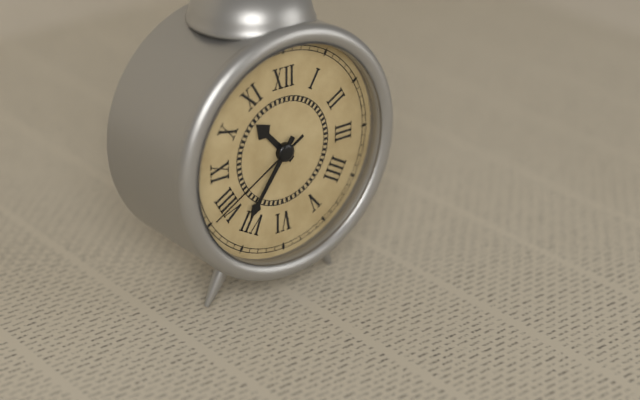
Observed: 10 h 36 min 40 s
